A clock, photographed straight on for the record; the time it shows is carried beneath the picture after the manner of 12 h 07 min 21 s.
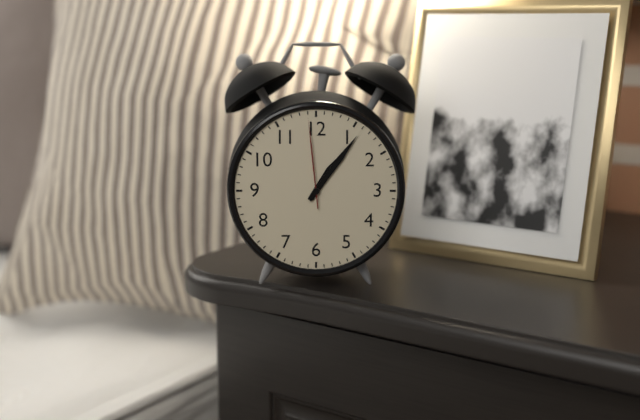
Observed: 1 h 06 min 59 s
